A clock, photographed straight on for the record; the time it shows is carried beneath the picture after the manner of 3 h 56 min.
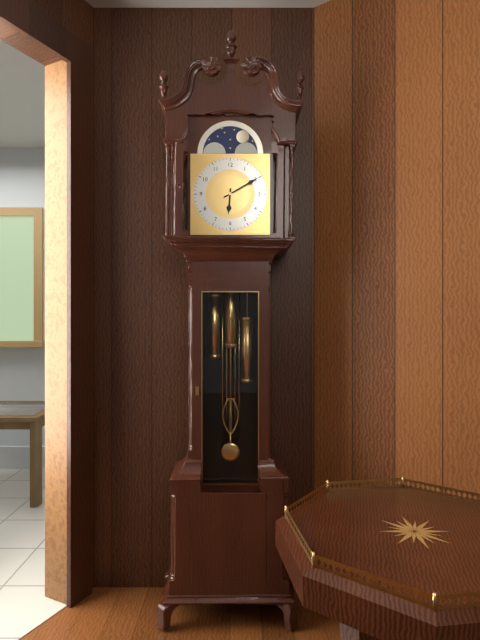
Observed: 6 h 10 min
